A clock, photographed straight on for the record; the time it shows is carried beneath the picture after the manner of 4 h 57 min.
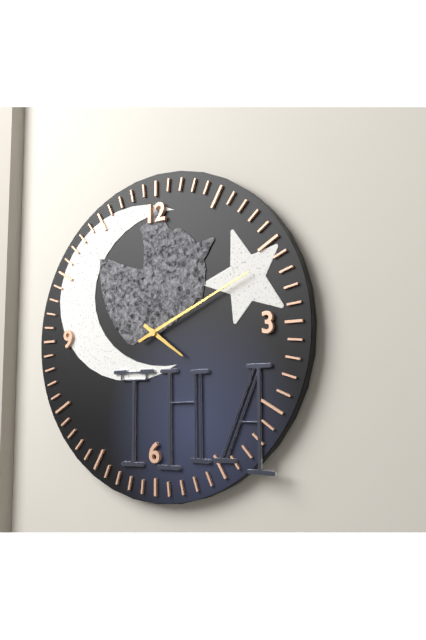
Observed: 4 h 11 min
